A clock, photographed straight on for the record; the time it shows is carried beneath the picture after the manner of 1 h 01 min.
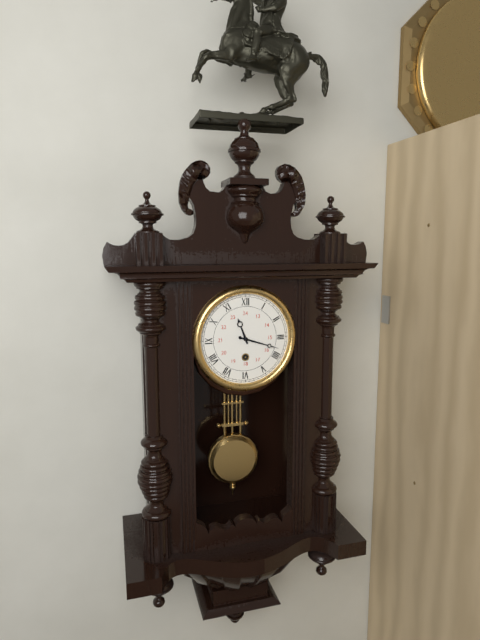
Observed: 11 h 18 min
